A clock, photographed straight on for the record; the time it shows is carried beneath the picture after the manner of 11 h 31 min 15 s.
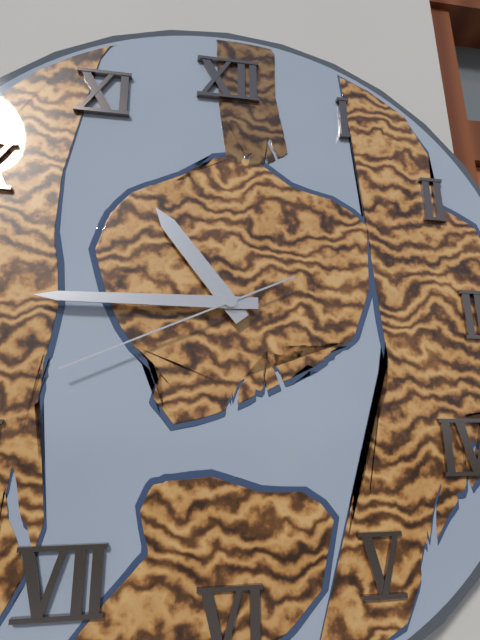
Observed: 10 h 45 min 41 s
